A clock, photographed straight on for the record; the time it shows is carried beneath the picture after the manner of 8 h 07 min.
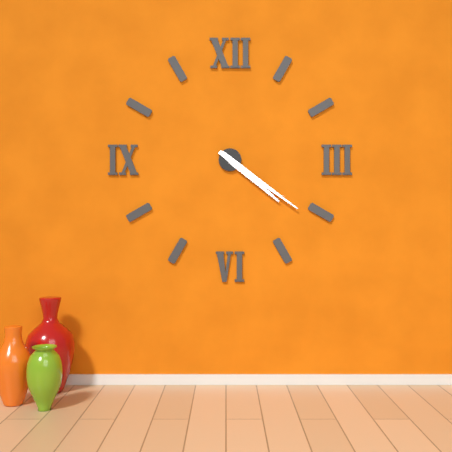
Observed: 4 h 21 min
